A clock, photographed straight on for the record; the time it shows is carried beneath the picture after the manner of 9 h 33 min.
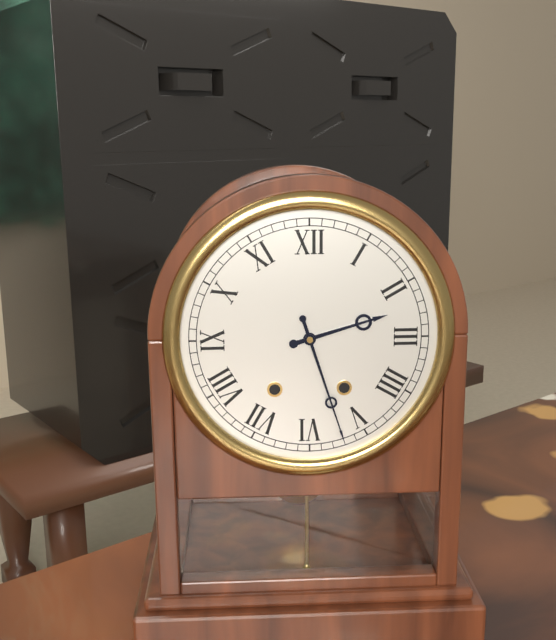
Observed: 2 h 27 min
